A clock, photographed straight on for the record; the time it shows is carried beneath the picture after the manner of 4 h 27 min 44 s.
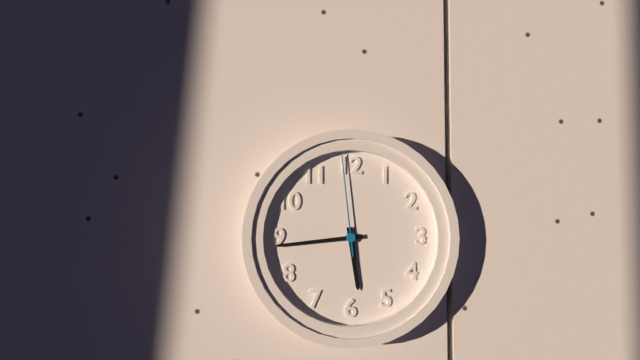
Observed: 5 h 44 min 59 s
